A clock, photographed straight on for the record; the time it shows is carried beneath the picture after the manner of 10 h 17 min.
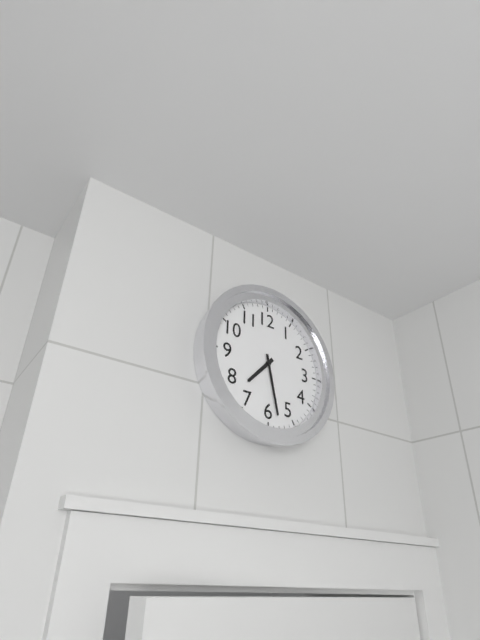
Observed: 7 h 28 min
